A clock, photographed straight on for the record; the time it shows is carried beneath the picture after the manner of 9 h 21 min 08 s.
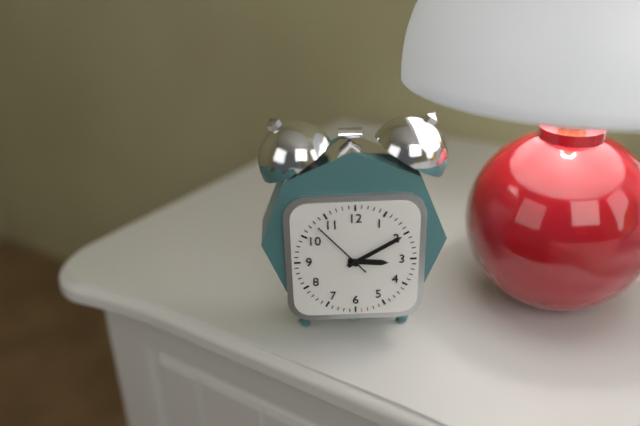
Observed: 3 h 10 min 53 s
